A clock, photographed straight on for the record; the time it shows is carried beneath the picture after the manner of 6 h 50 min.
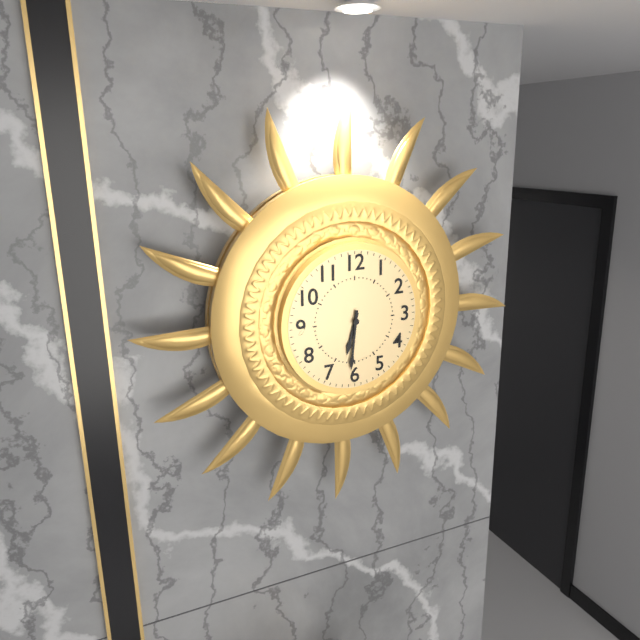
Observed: 6 h 31 min
